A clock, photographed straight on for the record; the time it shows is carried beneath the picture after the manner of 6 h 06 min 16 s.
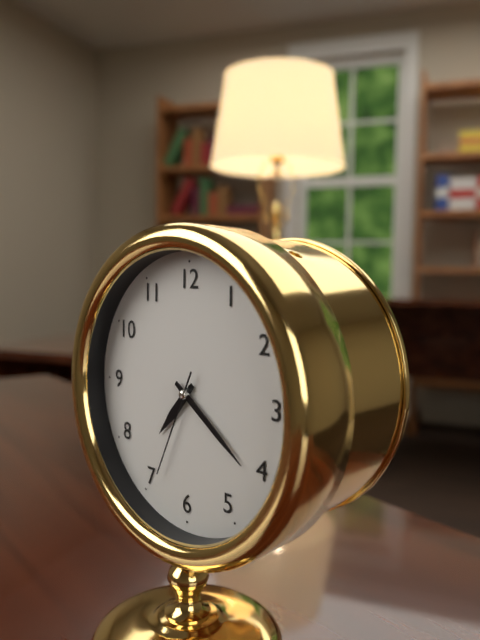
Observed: 7 h 21 min 34 s
